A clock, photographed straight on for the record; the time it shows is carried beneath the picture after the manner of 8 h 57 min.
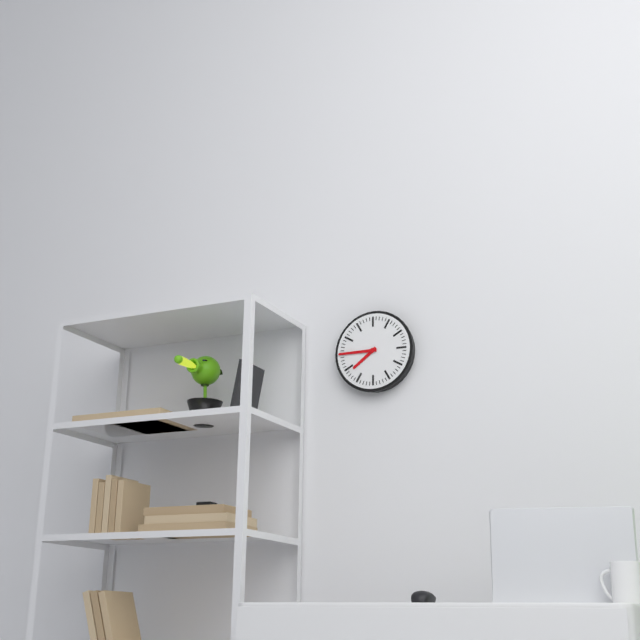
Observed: 7 h 45 min
